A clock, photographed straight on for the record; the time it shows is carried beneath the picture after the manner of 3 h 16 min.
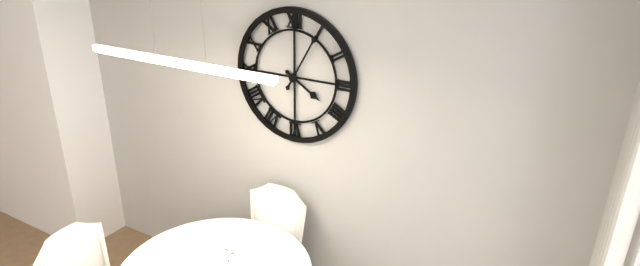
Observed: 4 h 05 min
